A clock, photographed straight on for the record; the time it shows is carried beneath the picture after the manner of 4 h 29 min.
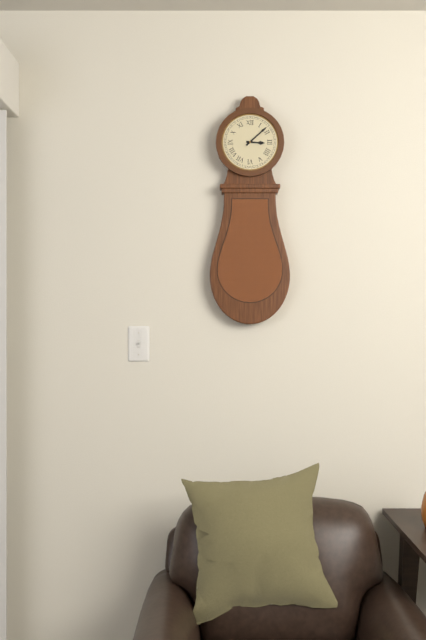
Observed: 3 h 08 min
